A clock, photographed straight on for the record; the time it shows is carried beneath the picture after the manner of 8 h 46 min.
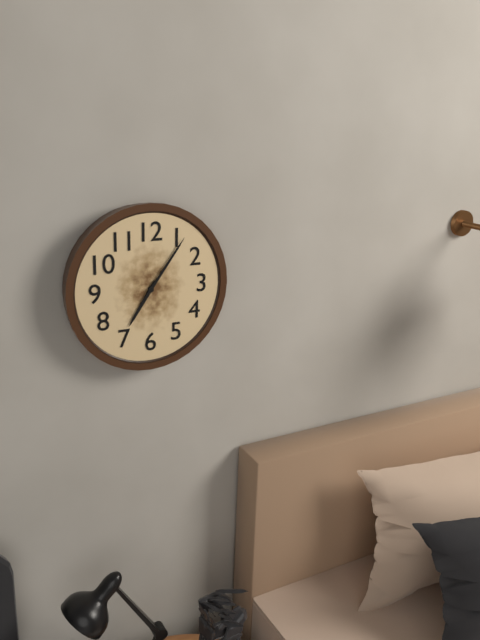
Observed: 7 h 06 min
